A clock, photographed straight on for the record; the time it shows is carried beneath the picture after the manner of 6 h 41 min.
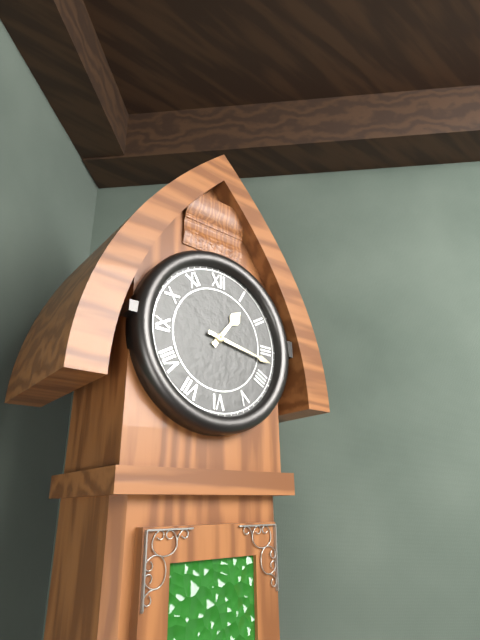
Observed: 1 h 17 min
